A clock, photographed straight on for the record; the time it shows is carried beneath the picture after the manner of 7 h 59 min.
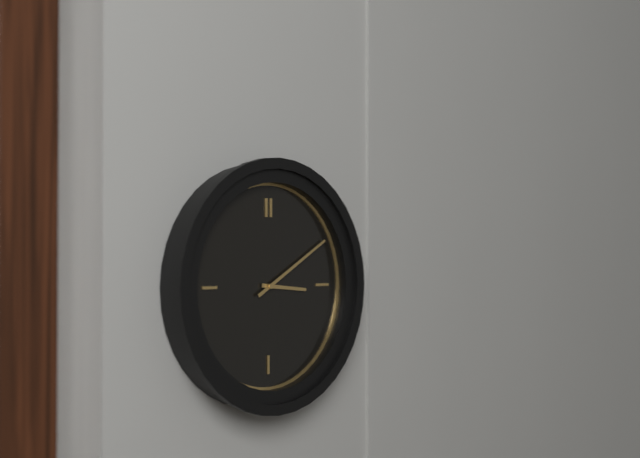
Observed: 3 h 10 min
